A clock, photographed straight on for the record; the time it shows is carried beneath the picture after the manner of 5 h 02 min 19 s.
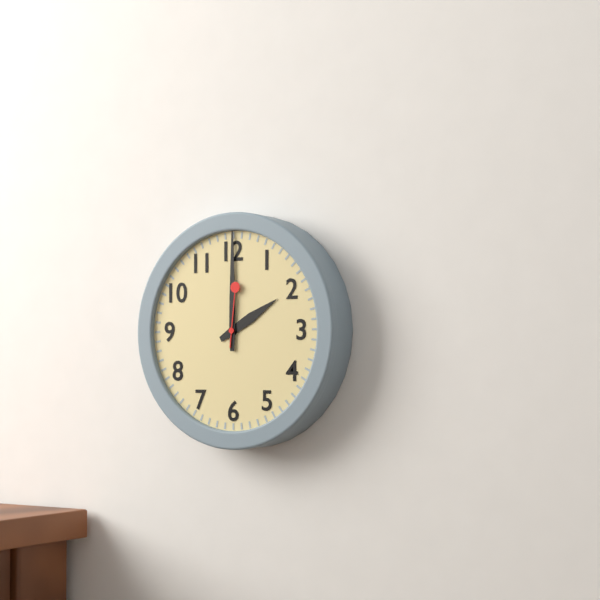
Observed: 2 h 00 min 01 s
